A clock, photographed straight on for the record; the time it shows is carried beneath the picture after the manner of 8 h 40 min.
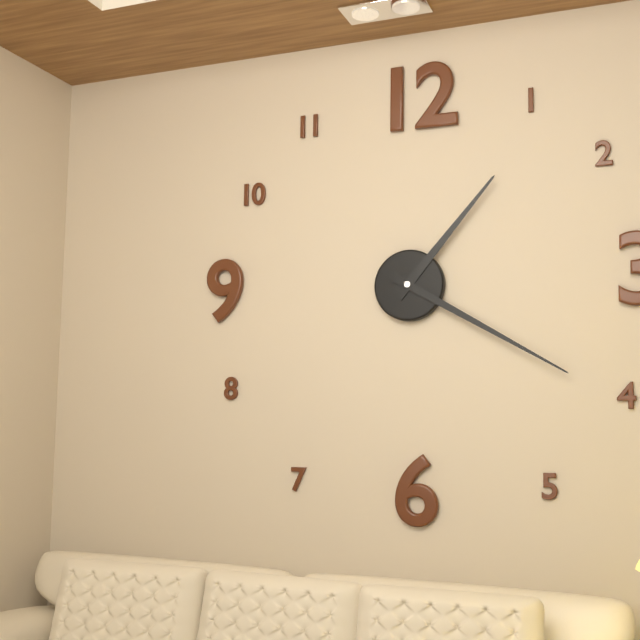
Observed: 1 h 20 min
